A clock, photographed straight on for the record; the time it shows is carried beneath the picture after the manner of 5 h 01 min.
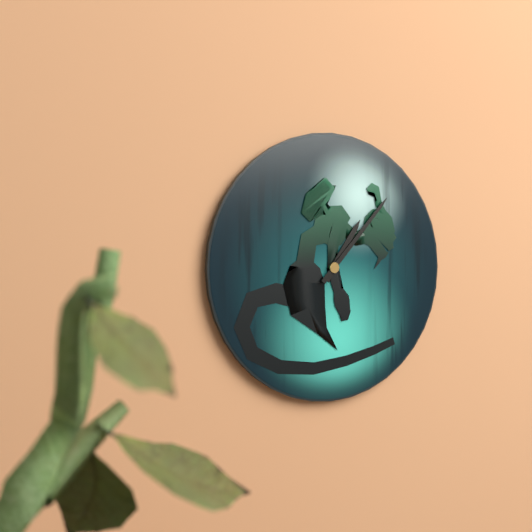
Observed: 1 h 07 min
